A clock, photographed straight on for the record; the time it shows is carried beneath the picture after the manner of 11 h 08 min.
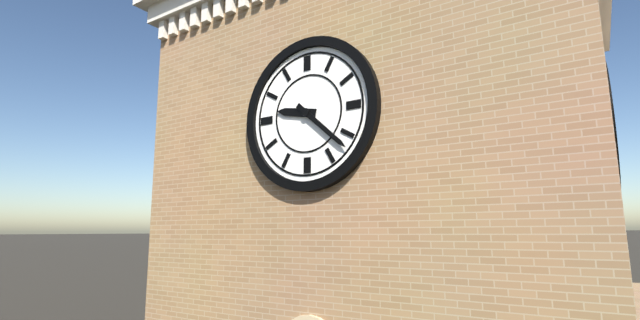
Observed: 9 h 22 min
